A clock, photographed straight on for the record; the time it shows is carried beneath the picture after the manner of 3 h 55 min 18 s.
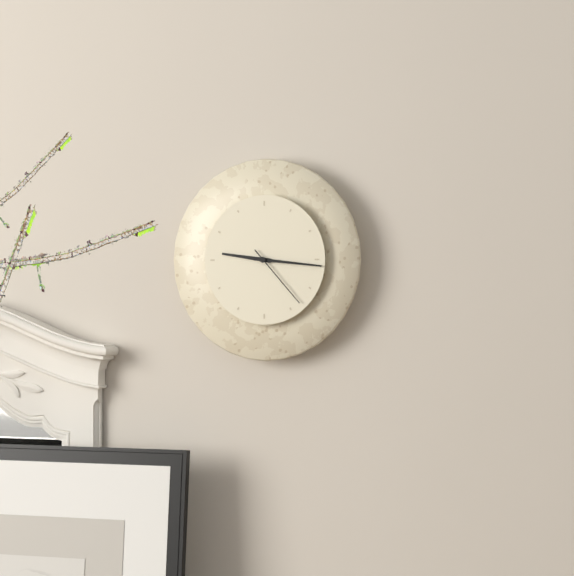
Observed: 9 h 16 min 23 s
